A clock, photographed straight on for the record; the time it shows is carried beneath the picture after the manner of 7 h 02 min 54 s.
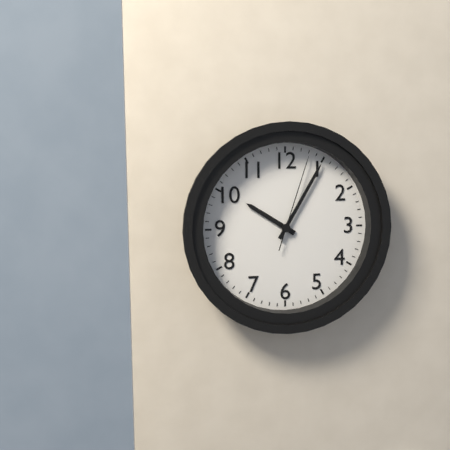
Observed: 10 h 05 min 03 s
